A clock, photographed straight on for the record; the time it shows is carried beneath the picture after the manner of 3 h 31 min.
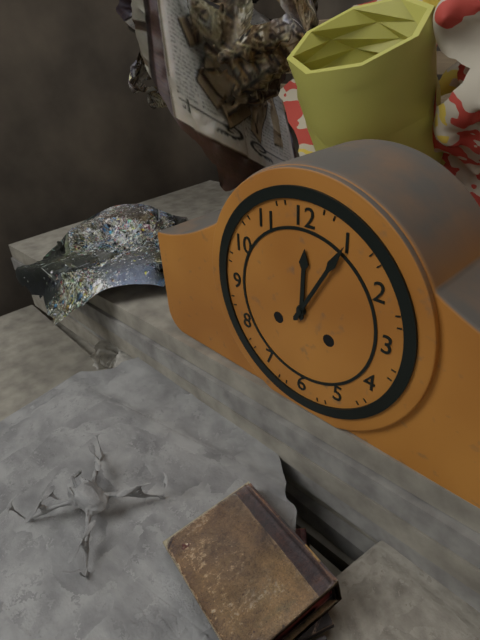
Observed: 12 h 05 min
